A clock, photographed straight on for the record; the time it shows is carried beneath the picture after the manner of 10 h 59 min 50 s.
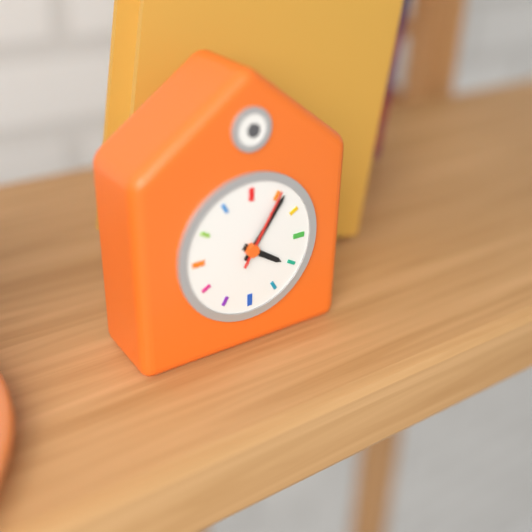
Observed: 4 h 06 min 05 s
